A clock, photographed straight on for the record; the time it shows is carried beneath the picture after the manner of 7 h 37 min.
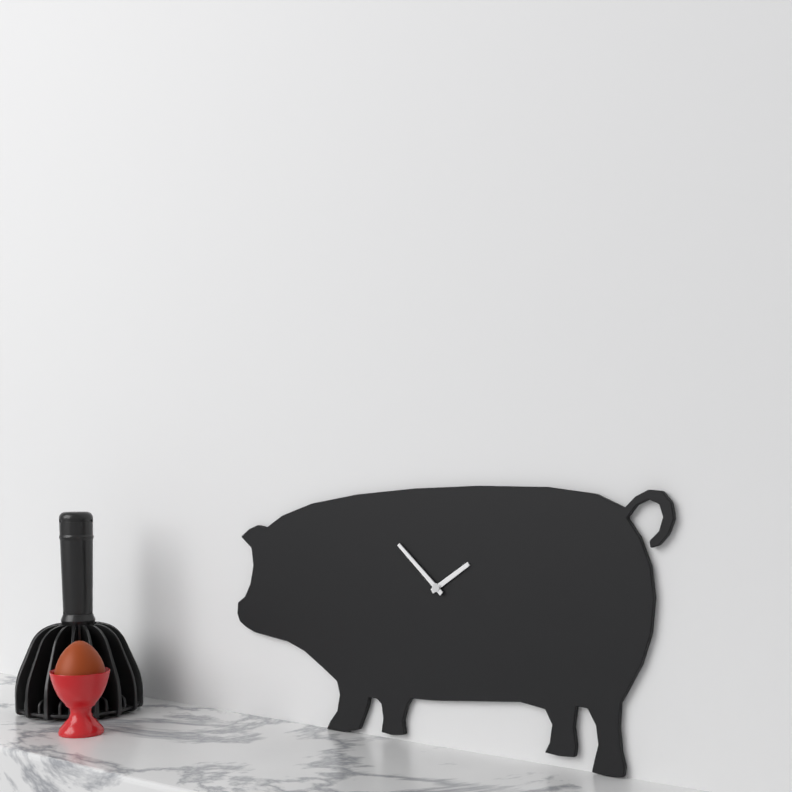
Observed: 1 h 52 min
